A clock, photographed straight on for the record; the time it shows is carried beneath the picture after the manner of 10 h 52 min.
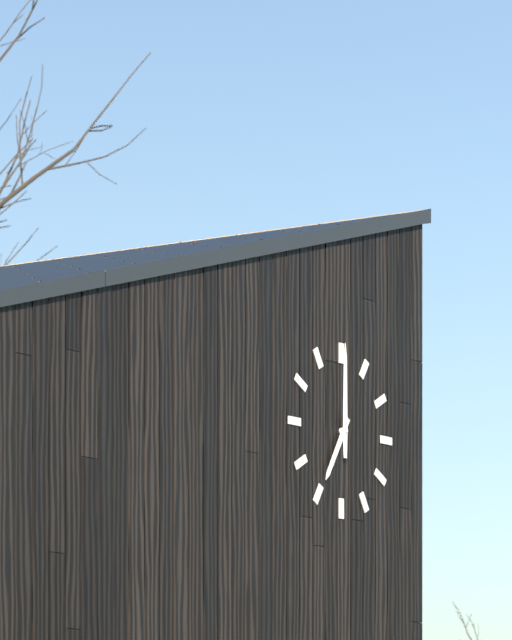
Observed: 7 h 00 min
